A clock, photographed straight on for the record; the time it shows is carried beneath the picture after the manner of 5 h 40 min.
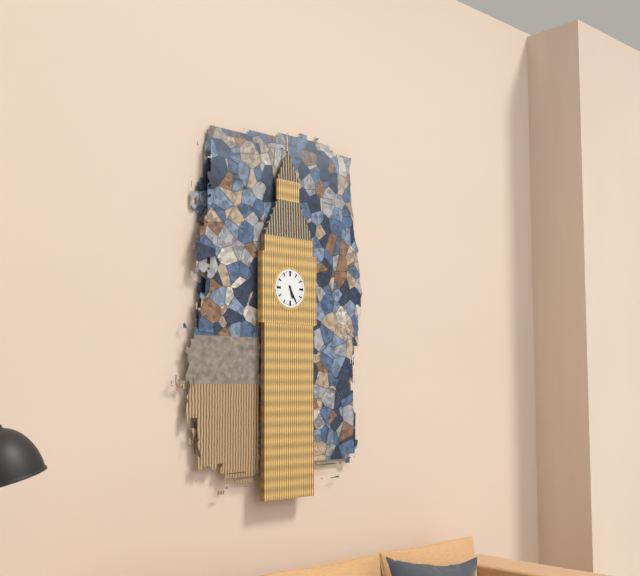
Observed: 5 h 25 min
